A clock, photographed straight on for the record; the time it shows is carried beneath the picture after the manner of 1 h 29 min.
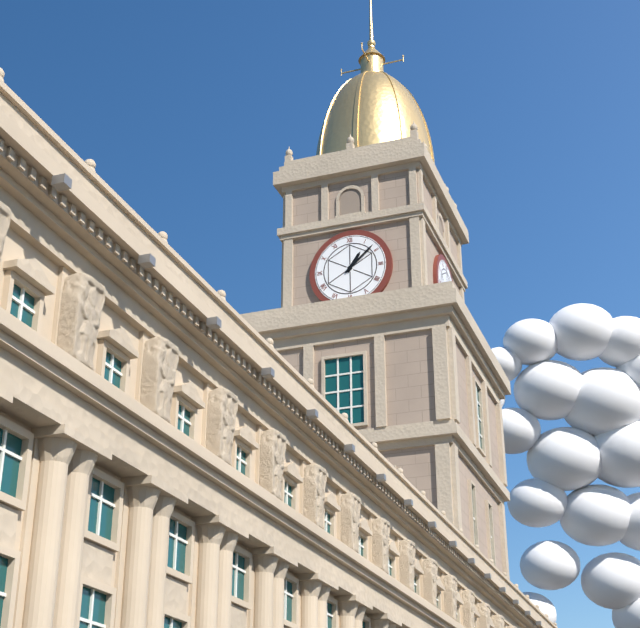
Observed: 1 h 08 min
